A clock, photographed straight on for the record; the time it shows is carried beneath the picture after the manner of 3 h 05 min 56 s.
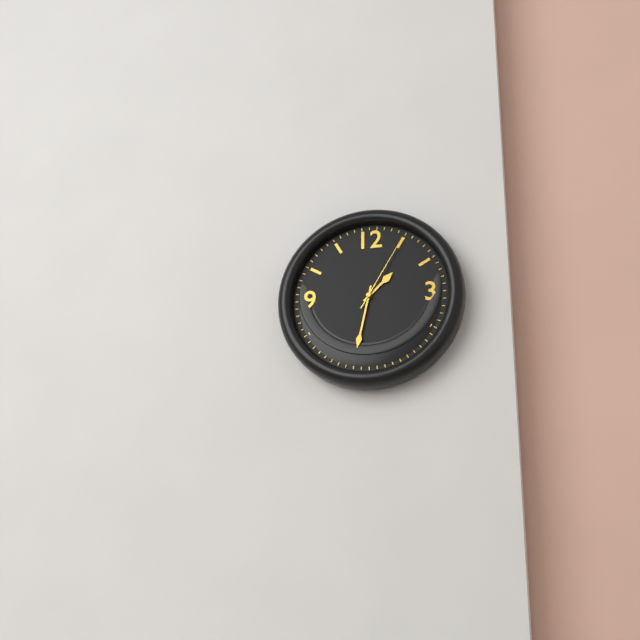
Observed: 1 h 32 min 05 s
